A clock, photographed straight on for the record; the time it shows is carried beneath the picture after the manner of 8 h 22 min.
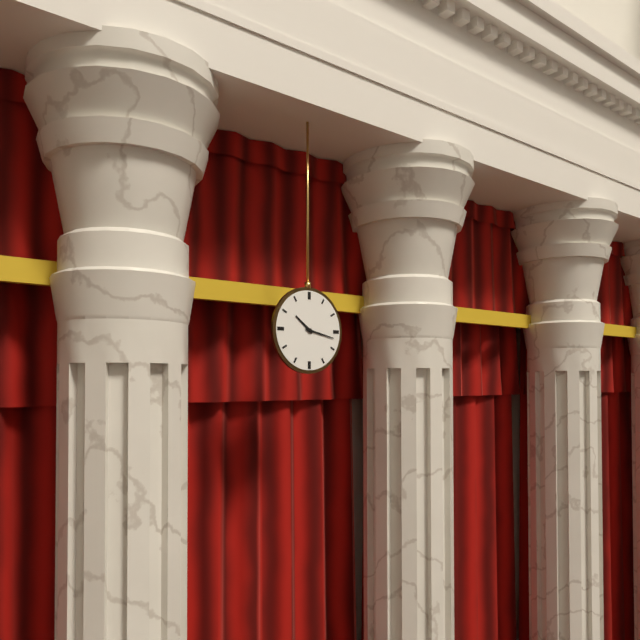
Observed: 10 h 17 min
